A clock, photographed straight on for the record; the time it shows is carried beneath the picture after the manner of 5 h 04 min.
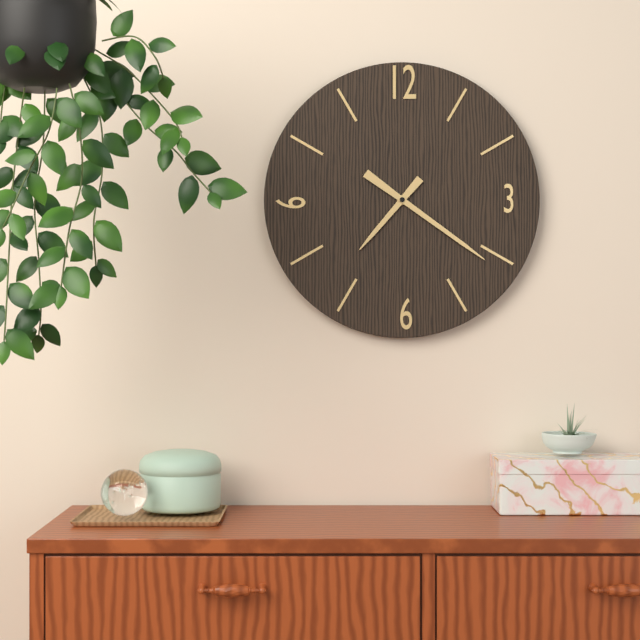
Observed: 7 h 21 min
